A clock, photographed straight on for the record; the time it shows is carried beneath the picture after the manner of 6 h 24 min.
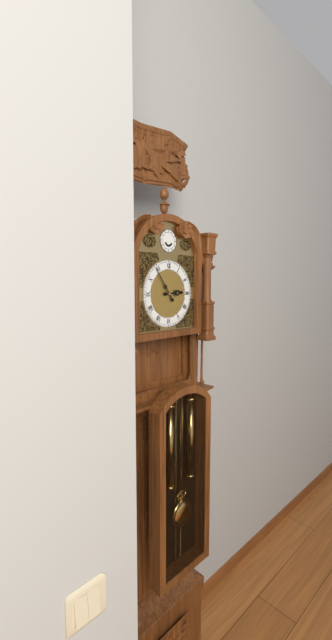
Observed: 2 h 54 min
